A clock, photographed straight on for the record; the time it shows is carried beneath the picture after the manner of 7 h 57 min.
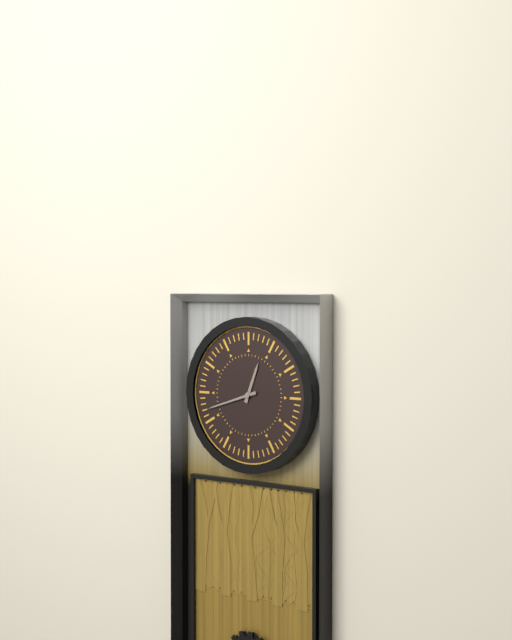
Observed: 12 h 42 min
